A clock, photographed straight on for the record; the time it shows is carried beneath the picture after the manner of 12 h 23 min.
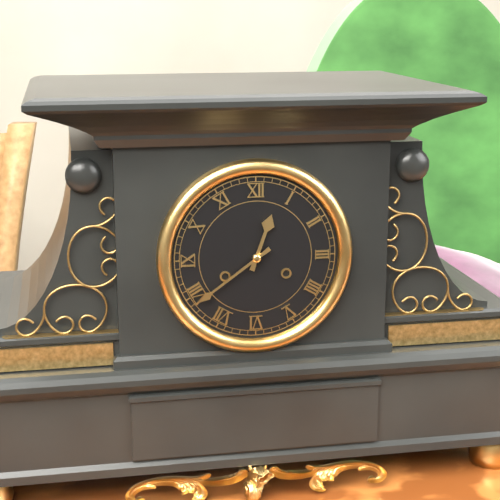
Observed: 12 h 39 min
